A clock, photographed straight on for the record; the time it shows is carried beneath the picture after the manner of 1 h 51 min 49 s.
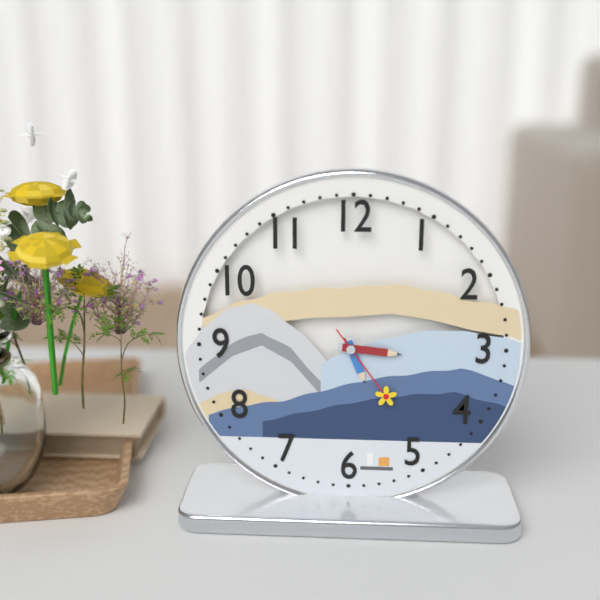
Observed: 5 h 16 min 24 s
